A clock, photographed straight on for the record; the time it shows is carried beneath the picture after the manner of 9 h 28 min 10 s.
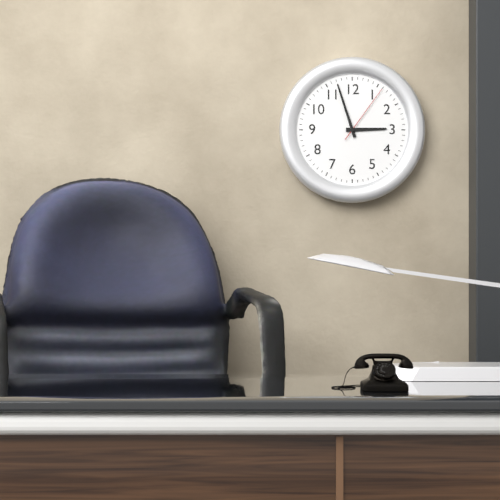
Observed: 2 h 57 min 06 s
